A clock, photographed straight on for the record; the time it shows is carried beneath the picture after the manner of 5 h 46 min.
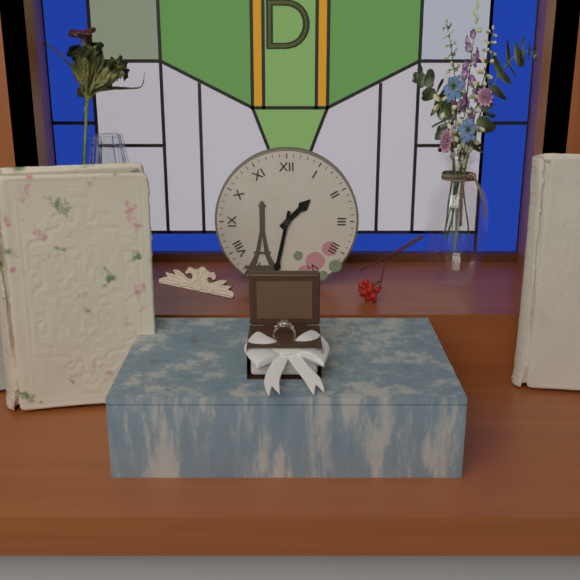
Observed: 1 h 32 min
